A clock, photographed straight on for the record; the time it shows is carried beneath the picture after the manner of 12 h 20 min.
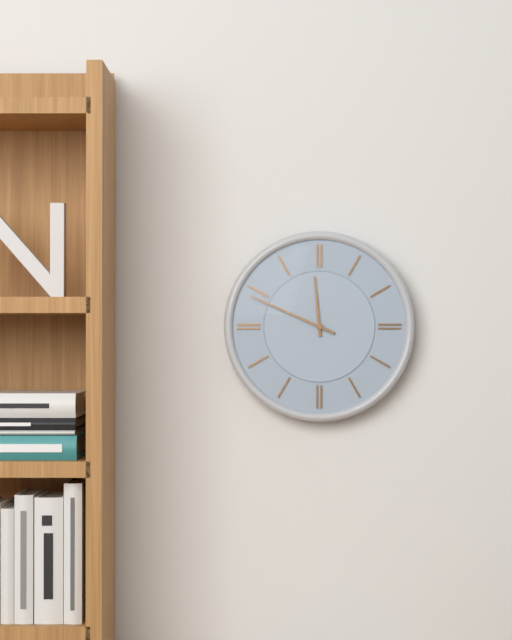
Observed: 11 h 49 min
